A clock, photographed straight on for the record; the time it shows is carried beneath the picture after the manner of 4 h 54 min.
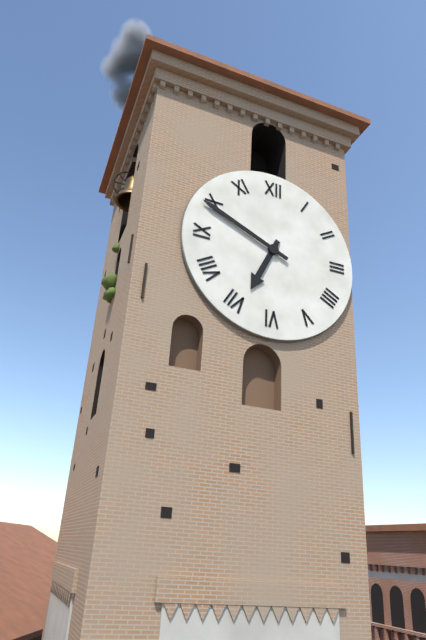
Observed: 6 h 49 min
